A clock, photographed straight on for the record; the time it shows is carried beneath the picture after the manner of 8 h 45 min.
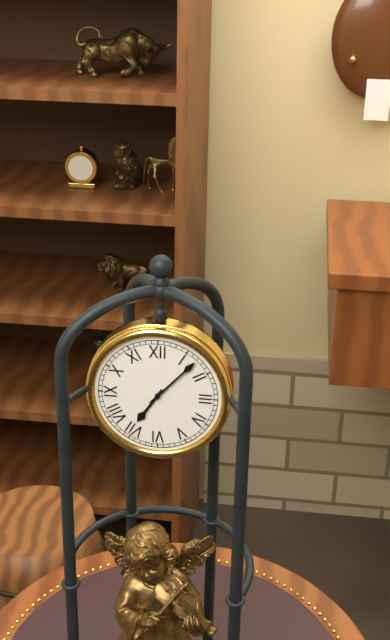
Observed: 7 h 07 min
